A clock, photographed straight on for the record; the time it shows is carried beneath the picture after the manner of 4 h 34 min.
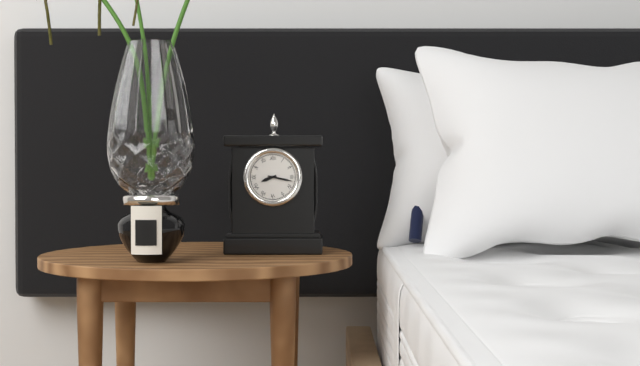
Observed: 8 h 17 min
